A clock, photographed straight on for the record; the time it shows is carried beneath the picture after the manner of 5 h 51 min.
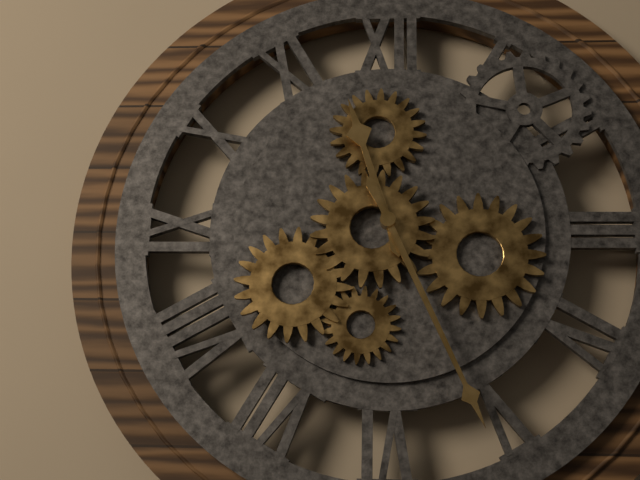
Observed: 11 h 26 min
